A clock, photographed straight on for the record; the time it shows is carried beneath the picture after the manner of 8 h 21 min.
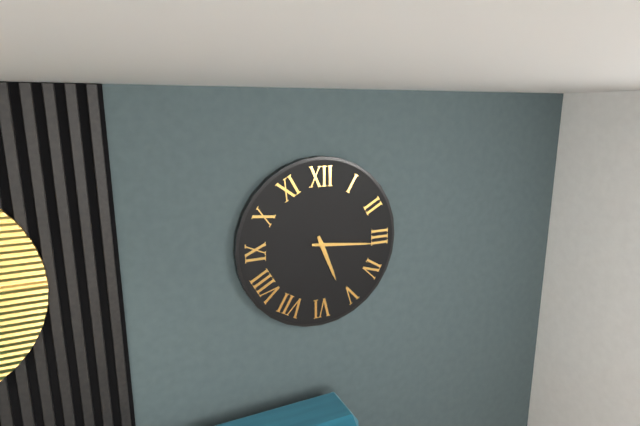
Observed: 5 h 16 min
